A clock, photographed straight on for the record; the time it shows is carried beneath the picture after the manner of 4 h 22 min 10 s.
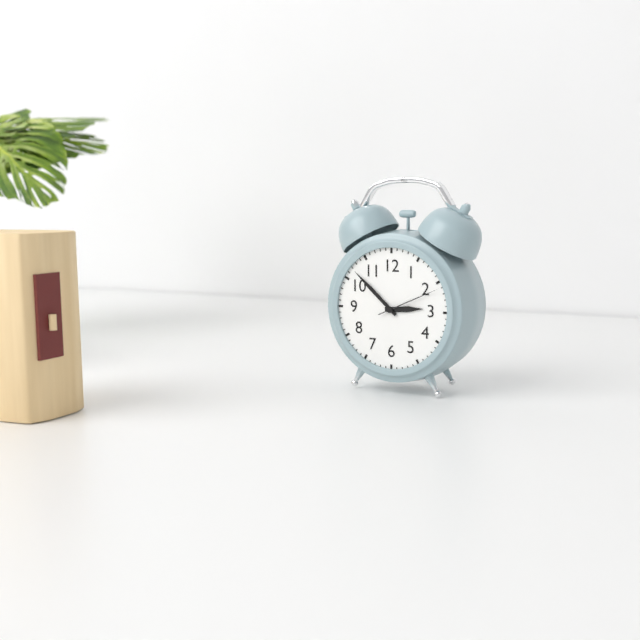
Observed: 2 h 52 min 11 s
